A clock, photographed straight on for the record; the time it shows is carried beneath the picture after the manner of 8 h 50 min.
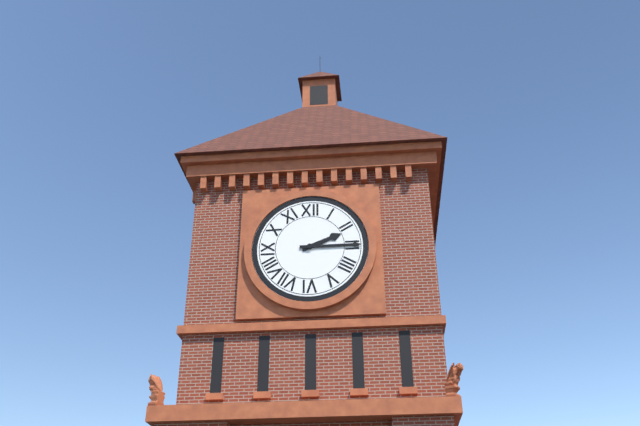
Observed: 2 h 15 min
